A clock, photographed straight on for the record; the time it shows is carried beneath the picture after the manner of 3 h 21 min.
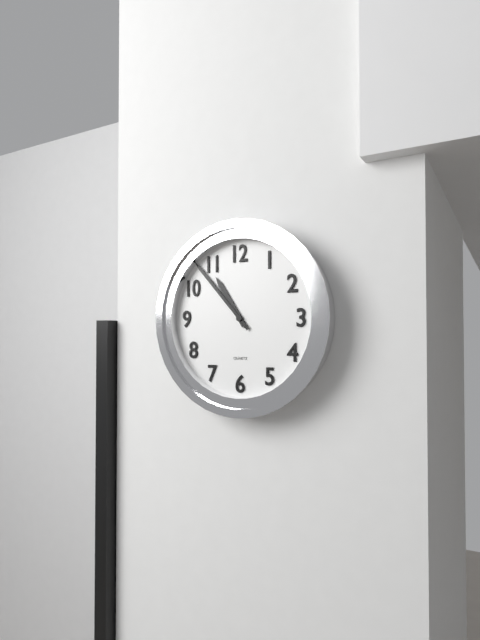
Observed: 10 h 53 min
